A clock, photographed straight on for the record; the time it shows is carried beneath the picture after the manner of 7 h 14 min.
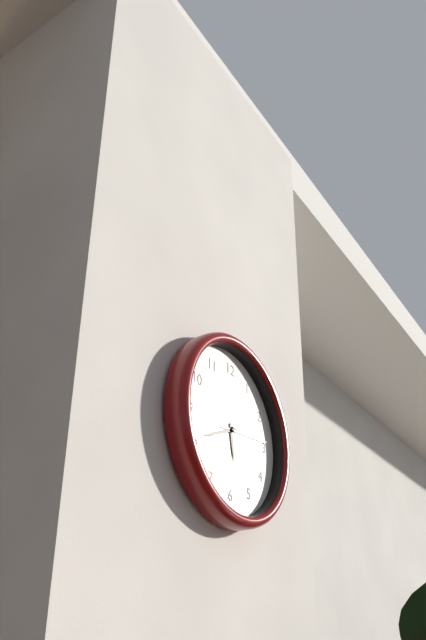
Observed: 5 h 41 min
